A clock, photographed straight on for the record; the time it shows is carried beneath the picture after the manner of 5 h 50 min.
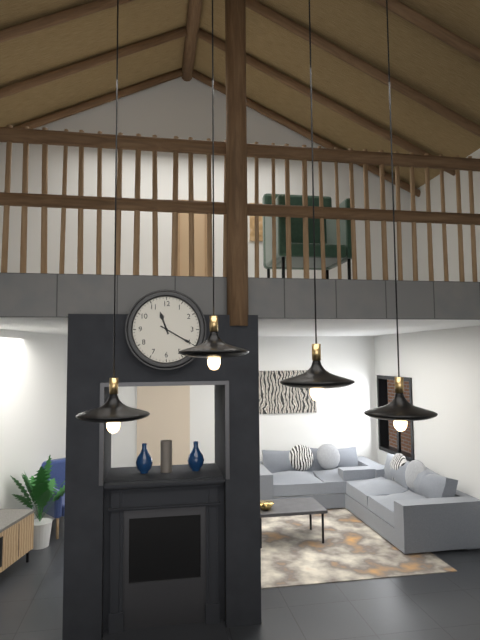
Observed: 11 h 20 min
